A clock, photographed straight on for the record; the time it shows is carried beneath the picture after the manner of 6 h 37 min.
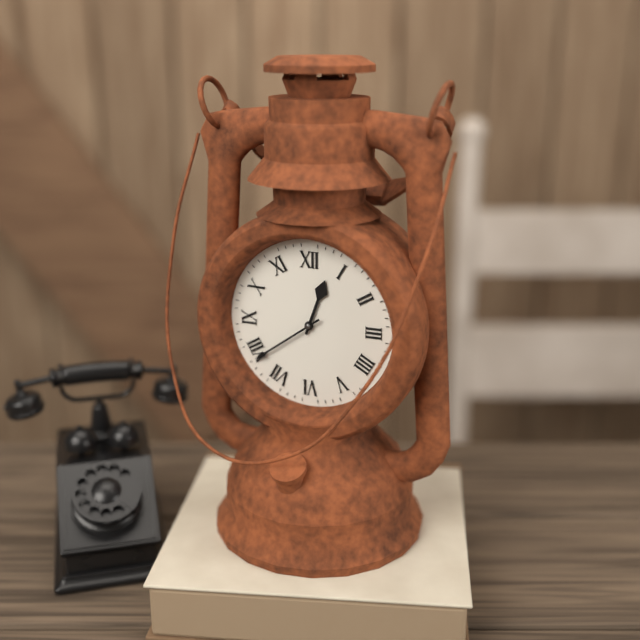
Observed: 12 h 39 min
